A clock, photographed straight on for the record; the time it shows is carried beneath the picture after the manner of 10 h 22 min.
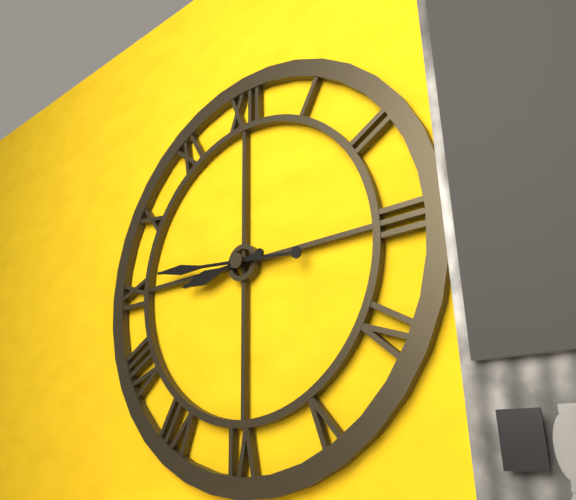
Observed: 8 h 46 min
